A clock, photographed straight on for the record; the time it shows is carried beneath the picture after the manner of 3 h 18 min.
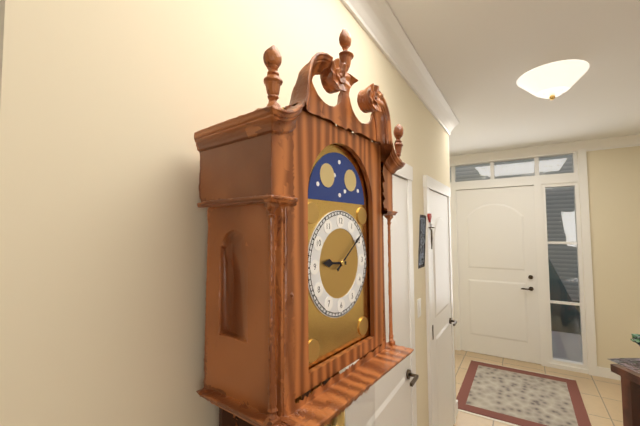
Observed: 9 h 09 min
